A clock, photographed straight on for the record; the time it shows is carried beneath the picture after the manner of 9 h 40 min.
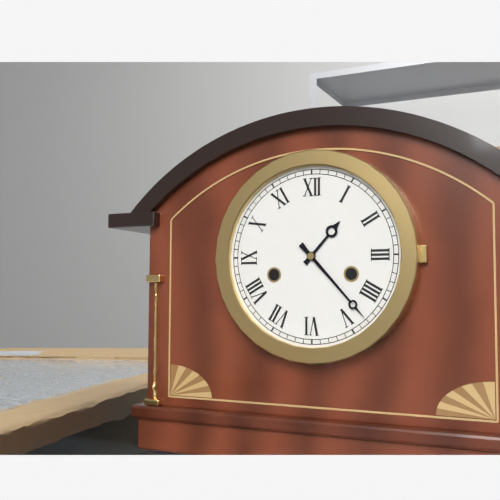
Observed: 1 h 23 min
